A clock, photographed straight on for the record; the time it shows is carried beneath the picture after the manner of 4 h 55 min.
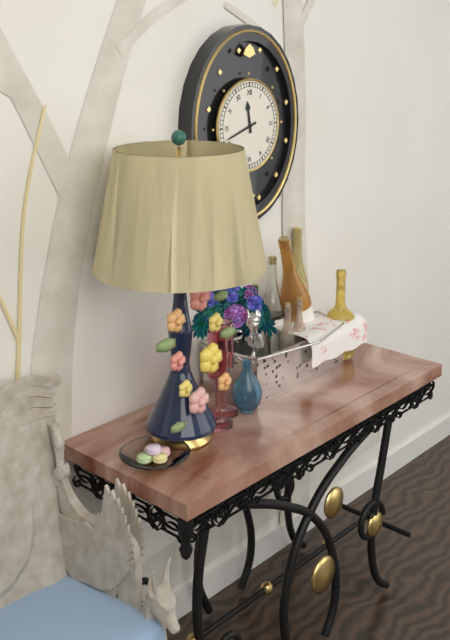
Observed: 11 h 42 min
